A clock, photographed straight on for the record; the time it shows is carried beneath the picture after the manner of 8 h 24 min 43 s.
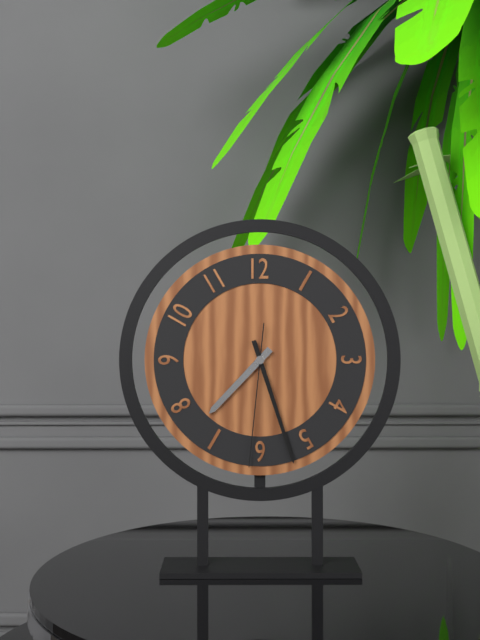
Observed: 7 h 27 min 31 s
